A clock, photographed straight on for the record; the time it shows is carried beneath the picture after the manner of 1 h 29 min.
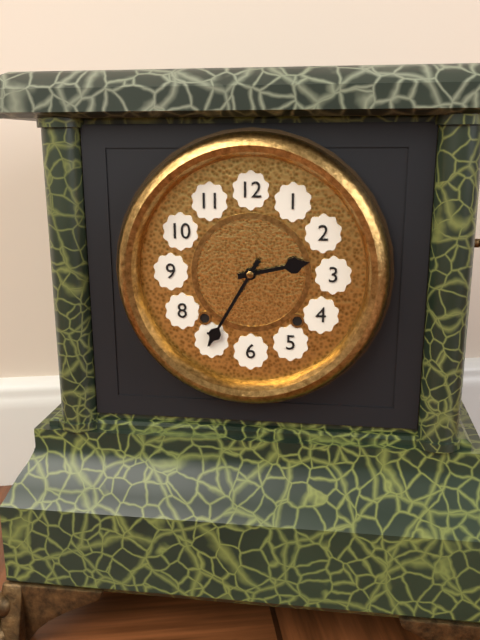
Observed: 2 h 35 min
